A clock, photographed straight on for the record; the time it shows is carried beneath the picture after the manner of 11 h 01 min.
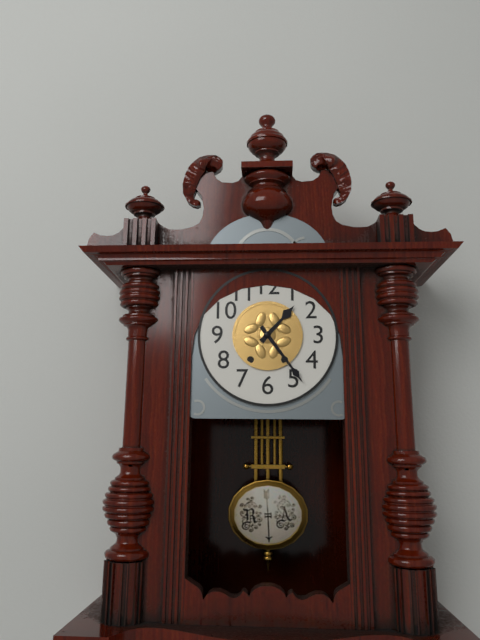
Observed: 1 h 24 min
